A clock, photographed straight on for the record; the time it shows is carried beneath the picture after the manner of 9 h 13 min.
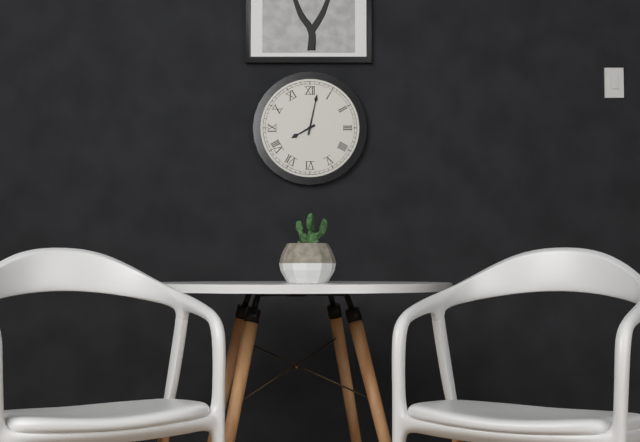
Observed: 8 h 02 min
